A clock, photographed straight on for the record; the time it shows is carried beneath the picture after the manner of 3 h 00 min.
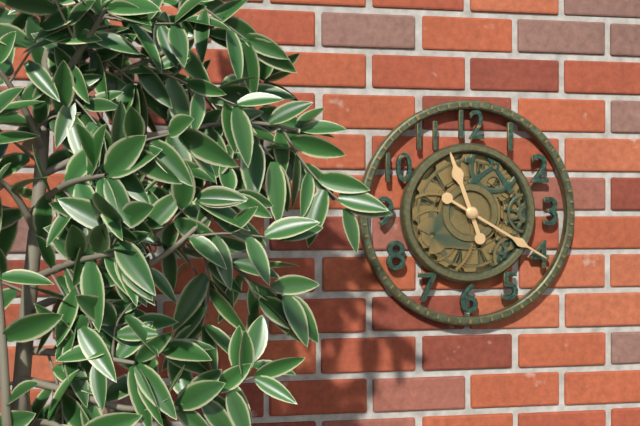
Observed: 11 h 20 min
